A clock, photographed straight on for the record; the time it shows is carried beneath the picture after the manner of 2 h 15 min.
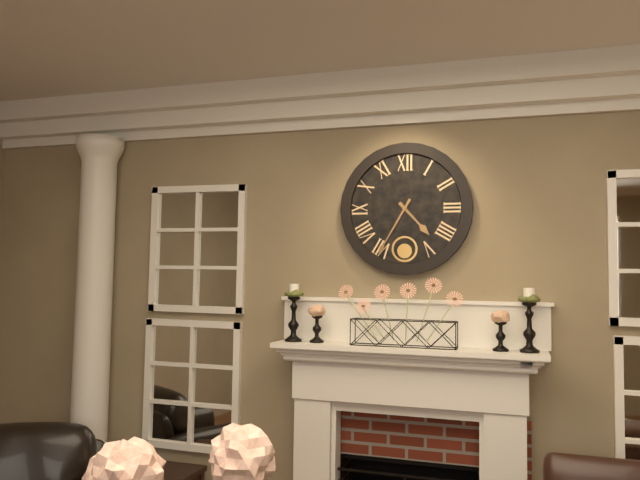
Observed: 4 h 35 min
